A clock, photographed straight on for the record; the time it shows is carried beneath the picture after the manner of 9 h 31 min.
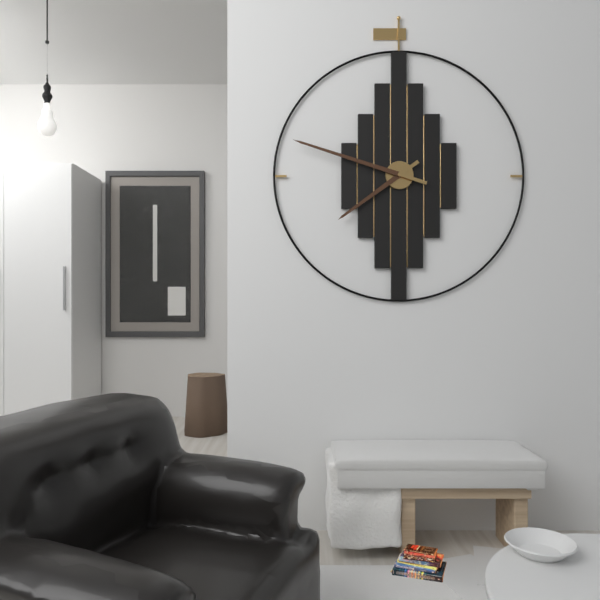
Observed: 7 h 48 min
